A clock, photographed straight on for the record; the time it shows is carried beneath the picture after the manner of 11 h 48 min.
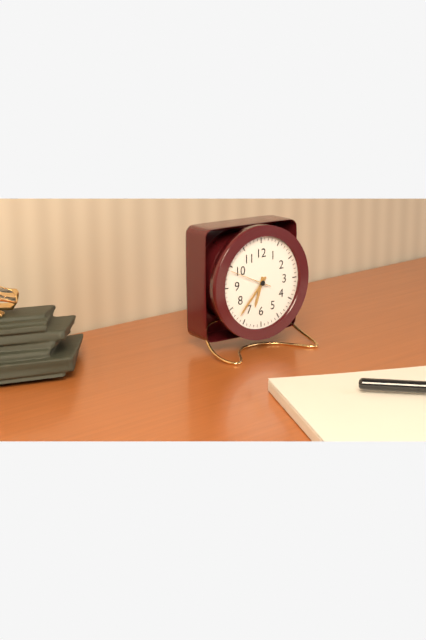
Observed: 6 h 37 min
